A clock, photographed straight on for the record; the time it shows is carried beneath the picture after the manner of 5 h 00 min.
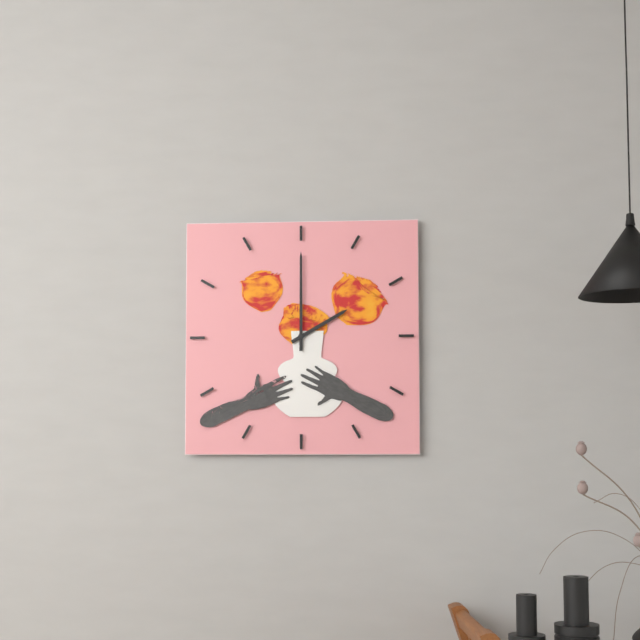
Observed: 2 h 00 min
